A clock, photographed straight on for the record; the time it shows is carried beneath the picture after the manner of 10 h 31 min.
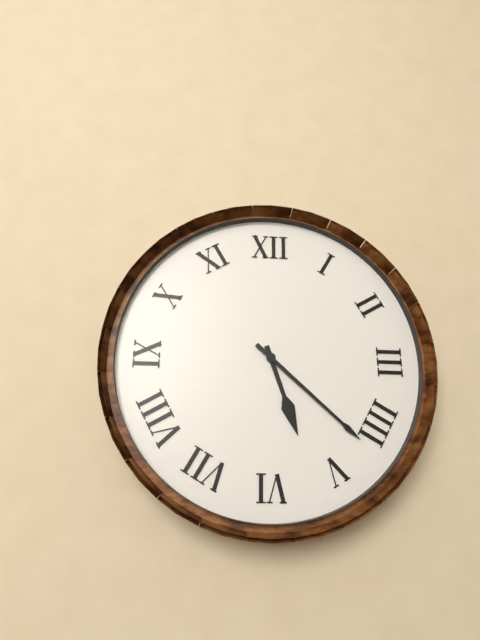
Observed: 5 h 22 min
